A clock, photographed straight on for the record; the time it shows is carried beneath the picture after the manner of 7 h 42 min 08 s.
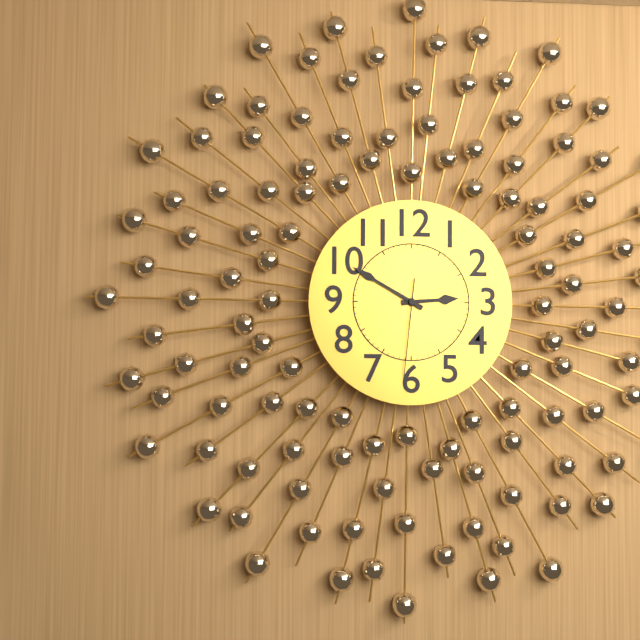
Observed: 2 h 50 min 31 s
